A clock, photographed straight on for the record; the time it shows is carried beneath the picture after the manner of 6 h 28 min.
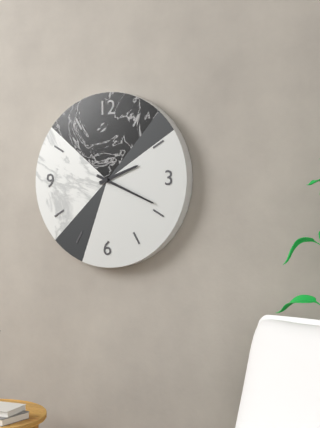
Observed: 2 h 19 min
